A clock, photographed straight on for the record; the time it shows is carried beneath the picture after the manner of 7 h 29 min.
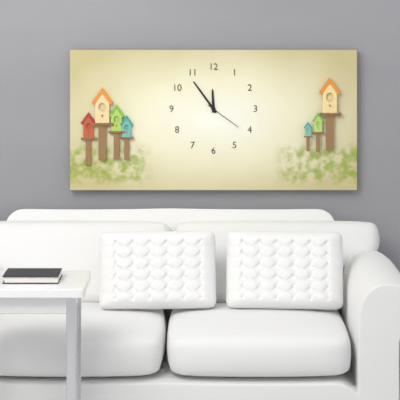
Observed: 11 h 54 min
